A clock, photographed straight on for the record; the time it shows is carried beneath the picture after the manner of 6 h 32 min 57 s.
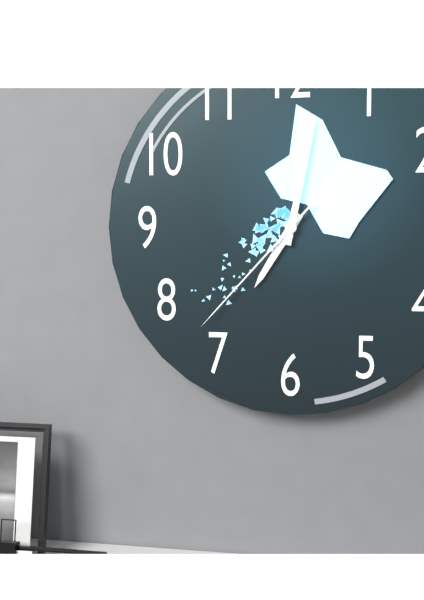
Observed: 7 h 02 min 37 s
